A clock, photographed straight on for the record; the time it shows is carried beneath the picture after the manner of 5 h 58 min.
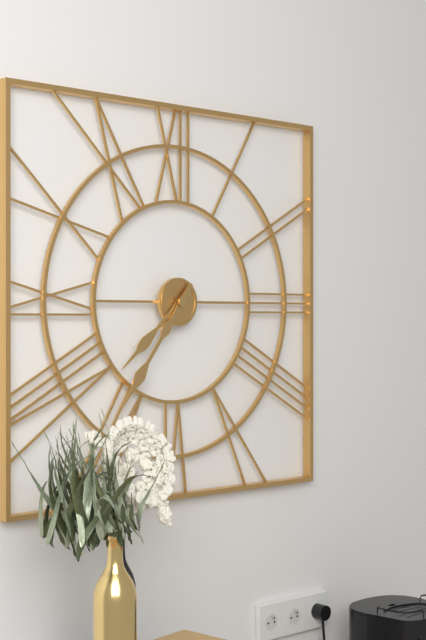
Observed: 7 h 36 min
